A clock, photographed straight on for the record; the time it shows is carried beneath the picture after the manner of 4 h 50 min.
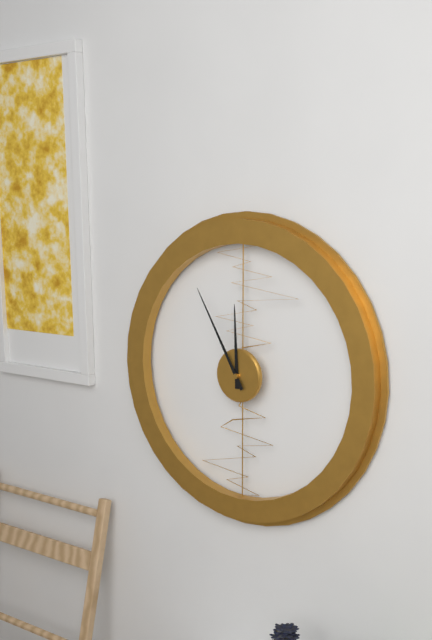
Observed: 11 h 55 min
